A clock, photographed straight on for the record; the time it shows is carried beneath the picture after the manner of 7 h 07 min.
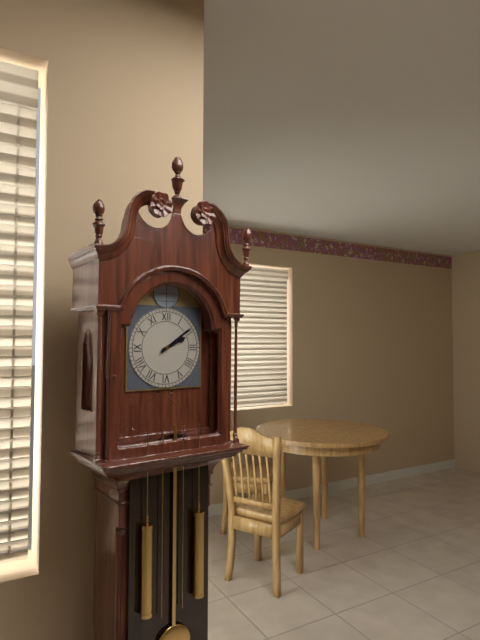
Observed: 2 h 09 min
